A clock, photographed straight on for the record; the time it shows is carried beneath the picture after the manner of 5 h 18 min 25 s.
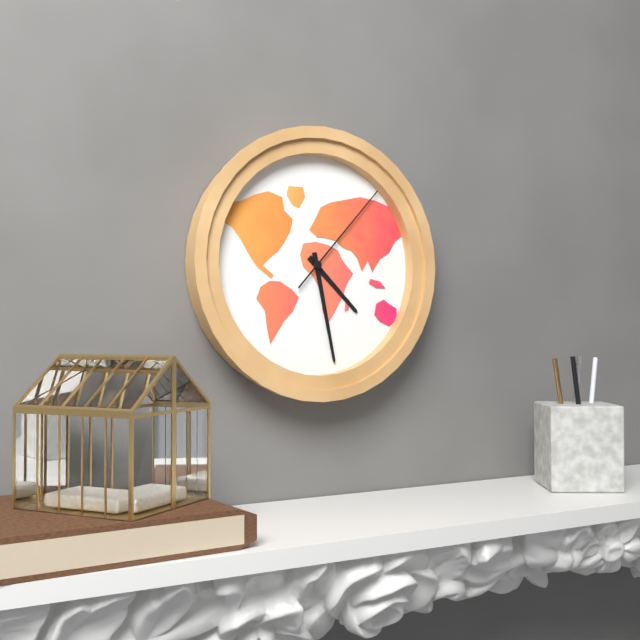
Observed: 4 h 28 min 07 s
